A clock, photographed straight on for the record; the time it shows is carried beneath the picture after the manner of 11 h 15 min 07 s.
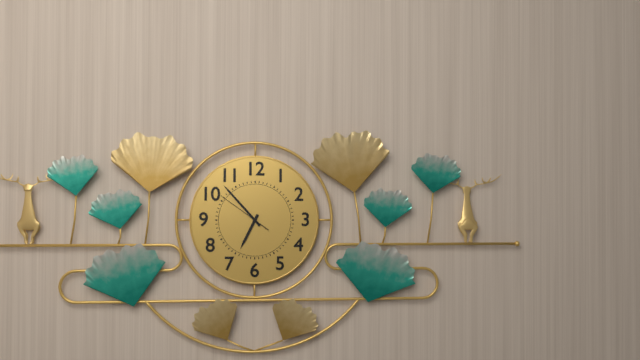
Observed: 6 h 53 min 51 s
